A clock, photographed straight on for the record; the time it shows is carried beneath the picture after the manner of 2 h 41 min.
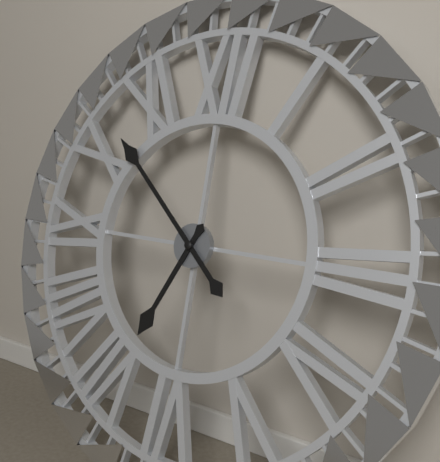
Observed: 6 h 52 min
